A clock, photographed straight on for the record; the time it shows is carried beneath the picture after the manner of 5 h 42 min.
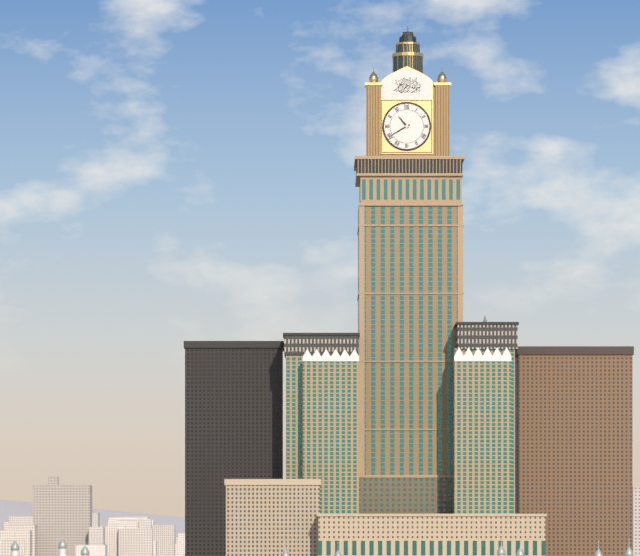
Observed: 10 h 40 min
